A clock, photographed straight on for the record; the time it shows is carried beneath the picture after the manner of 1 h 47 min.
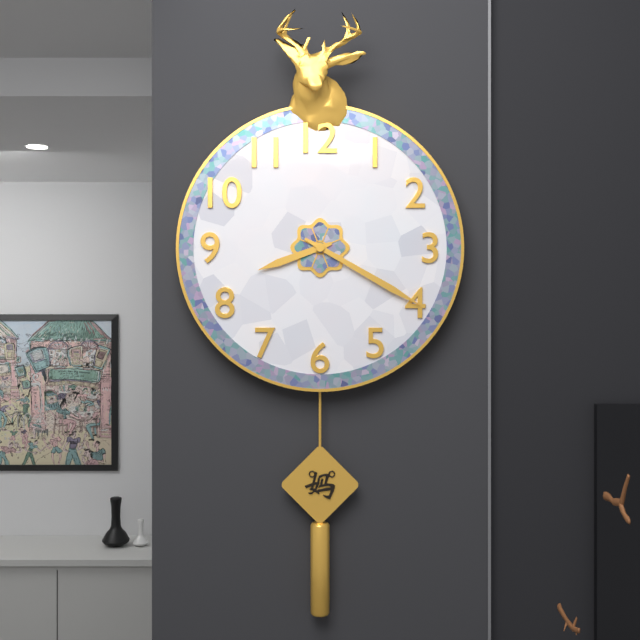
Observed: 8 h 20 min
